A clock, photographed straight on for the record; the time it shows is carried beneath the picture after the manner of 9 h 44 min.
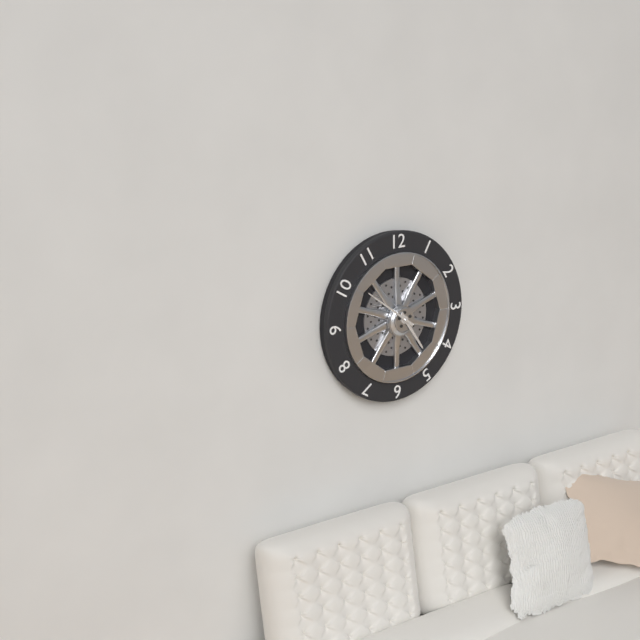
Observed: 4 h 51 min
